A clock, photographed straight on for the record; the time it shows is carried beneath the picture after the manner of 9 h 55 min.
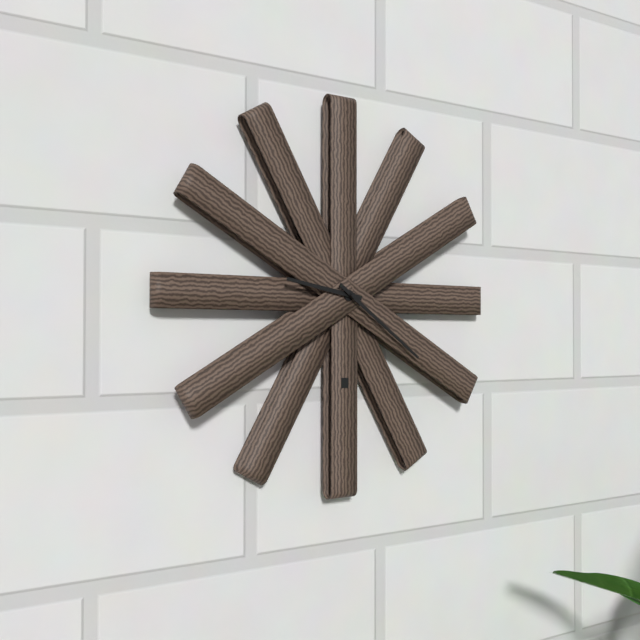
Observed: 9 h 21 min
